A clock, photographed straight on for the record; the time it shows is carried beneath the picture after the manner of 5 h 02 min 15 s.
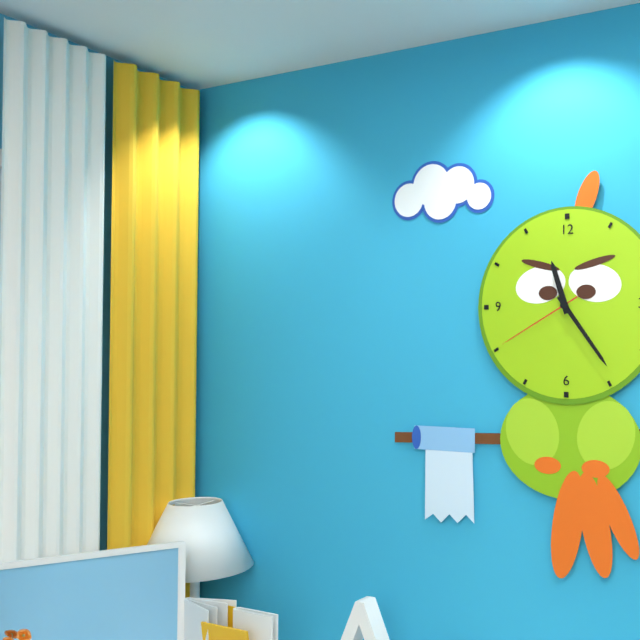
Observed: 11 h 24 min 40 s
